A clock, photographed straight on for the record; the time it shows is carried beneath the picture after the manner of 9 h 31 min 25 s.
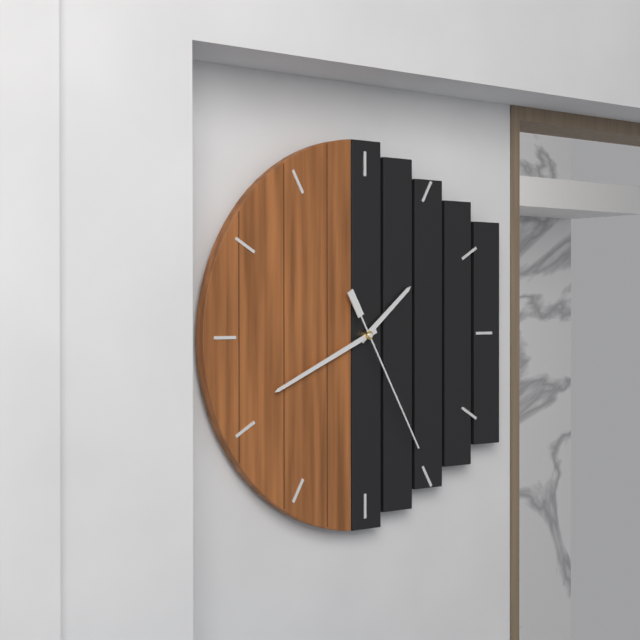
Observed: 1 h 41 min 25 s
